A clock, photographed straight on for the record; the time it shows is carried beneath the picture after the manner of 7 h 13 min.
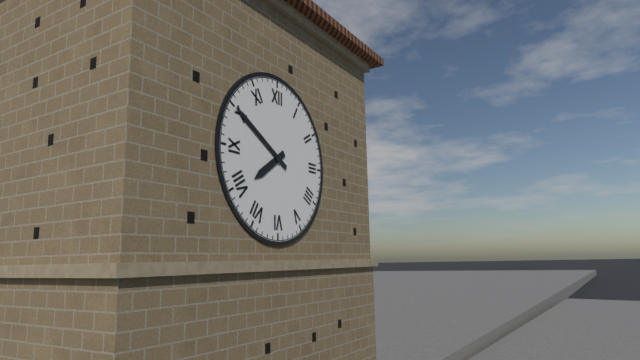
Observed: 7 h 50 min
